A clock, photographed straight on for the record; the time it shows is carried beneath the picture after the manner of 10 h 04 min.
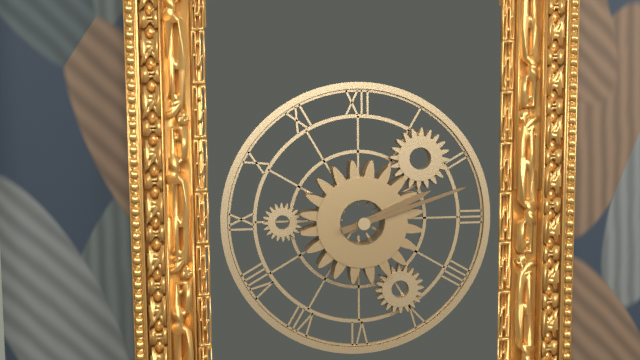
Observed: 2 h 12 min
